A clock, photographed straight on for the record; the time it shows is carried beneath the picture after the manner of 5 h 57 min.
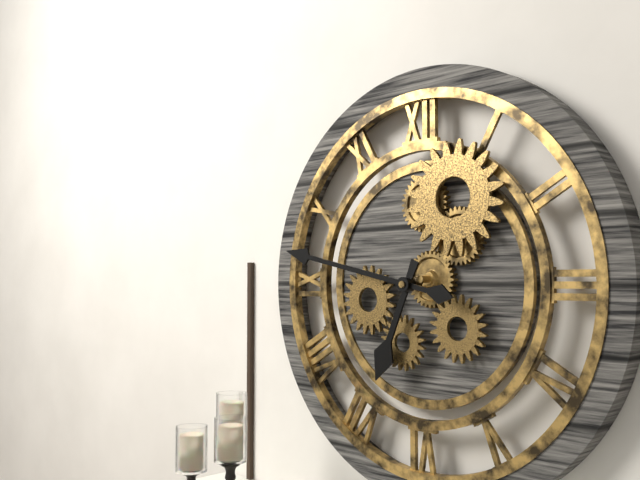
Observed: 6 h 47 min
